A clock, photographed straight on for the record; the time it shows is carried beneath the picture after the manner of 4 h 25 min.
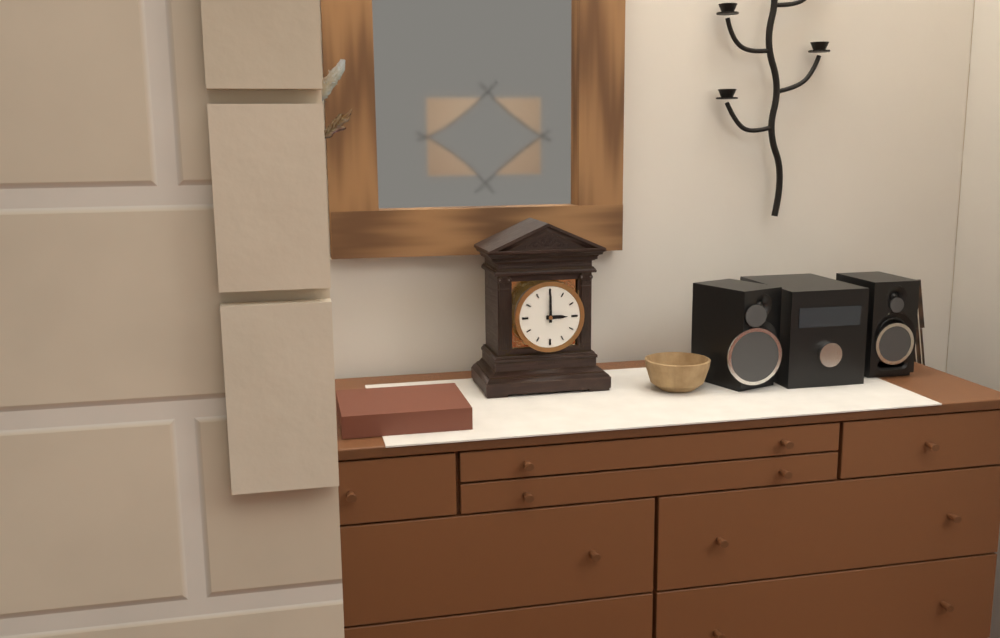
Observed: 3 h 00 min
